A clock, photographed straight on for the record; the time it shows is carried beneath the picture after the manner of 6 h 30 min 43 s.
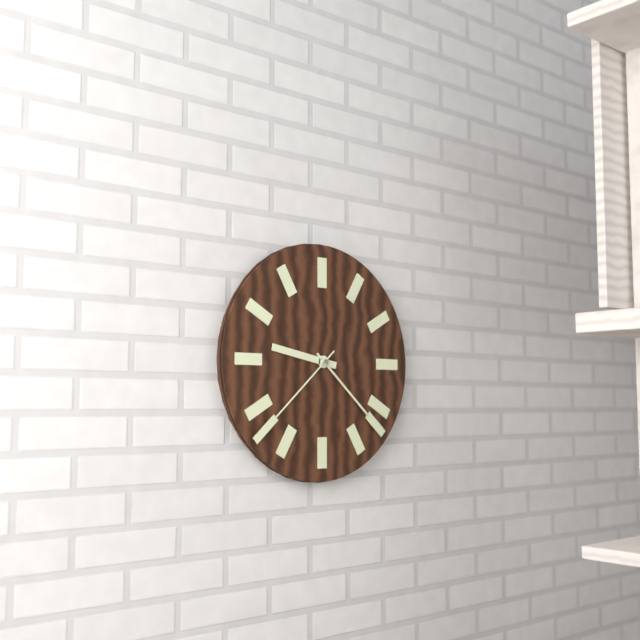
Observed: 9 h 22 min 38 s
